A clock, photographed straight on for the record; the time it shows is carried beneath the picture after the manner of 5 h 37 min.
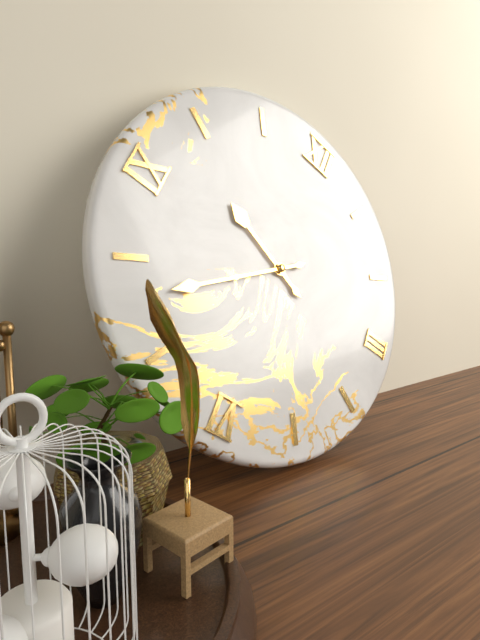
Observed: 9 h 38 min
